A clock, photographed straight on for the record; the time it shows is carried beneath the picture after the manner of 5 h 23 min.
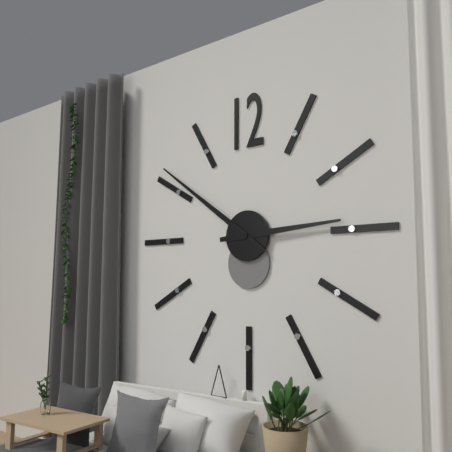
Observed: 2 h 51 min
